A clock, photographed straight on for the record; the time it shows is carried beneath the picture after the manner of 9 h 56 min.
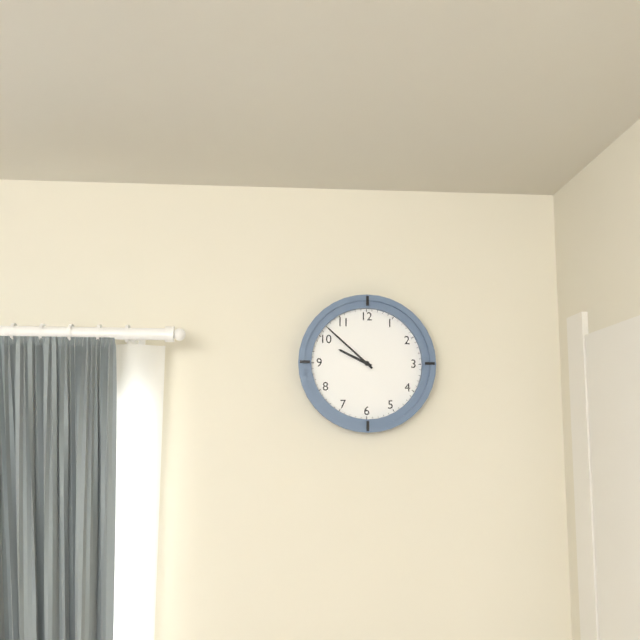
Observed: 9 h 52 min
